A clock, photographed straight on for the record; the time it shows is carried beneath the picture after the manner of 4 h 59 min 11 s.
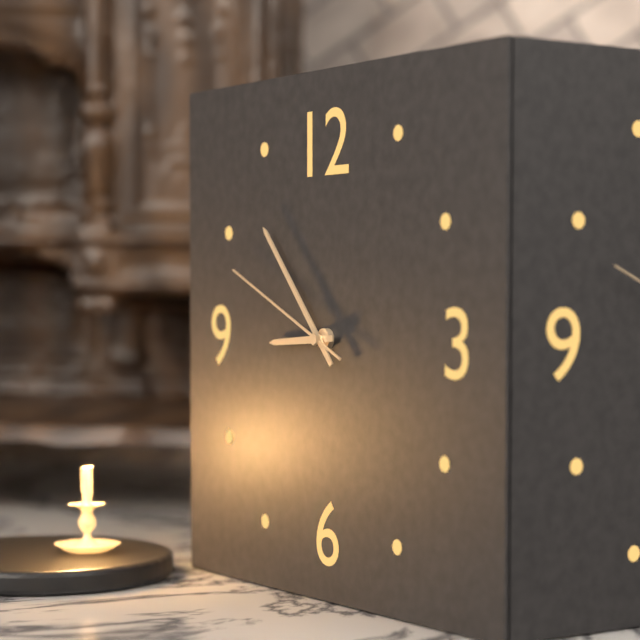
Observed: 8 h 53 min 49 s
